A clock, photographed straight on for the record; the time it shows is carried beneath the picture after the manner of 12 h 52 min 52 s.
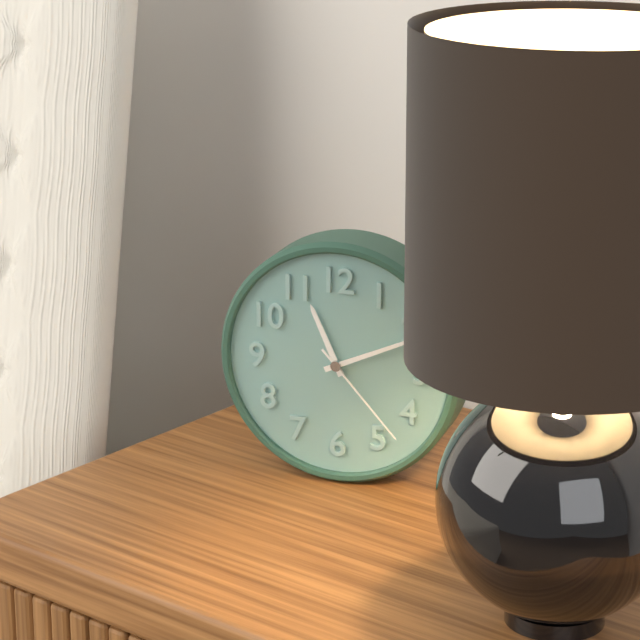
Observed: 11 h 11 min 23 s
